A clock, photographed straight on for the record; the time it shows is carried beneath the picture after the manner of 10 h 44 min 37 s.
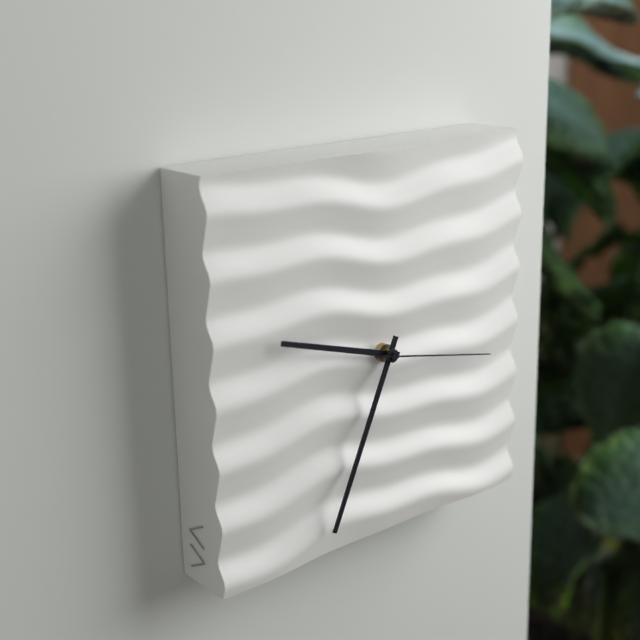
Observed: 9 h 34 min 17 s
